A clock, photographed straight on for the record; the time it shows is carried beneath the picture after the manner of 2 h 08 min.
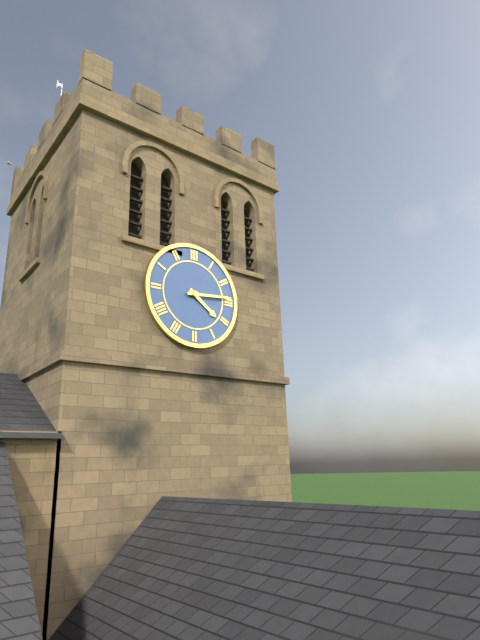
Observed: 4 h 14 min
